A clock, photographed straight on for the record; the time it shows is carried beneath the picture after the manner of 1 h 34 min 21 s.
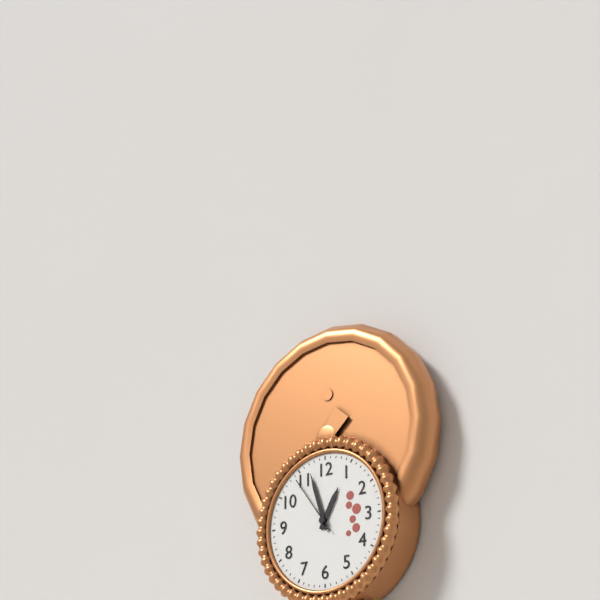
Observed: 12 h 57 min 54 s
